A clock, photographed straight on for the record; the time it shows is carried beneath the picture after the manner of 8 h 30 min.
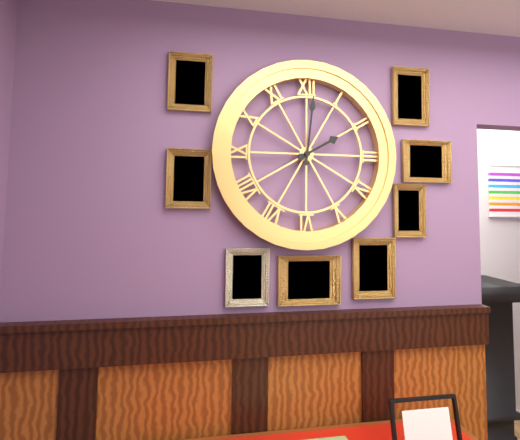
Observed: 2 h 01 min
